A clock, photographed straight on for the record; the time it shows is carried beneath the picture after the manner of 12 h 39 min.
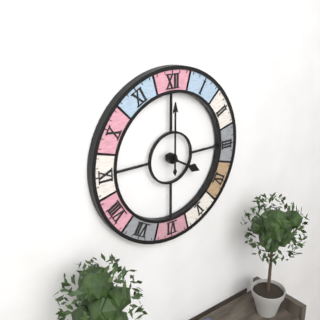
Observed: 4 h 00 min
